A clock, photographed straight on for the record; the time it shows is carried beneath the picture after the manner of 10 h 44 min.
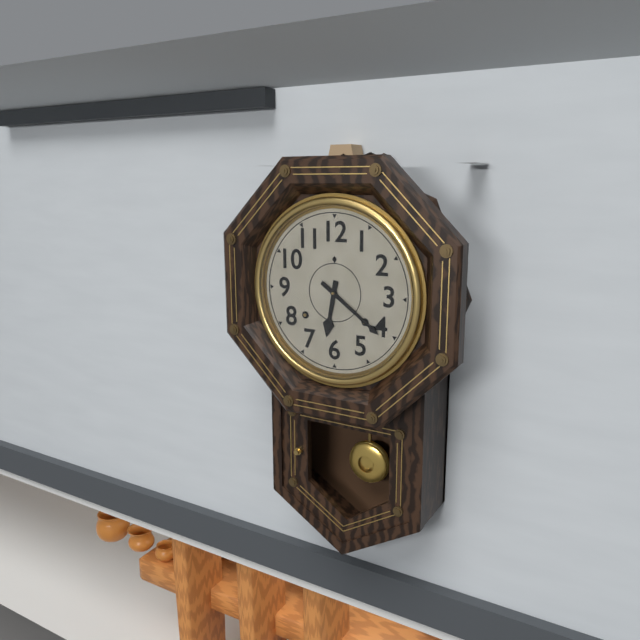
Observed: 6 h 21 min
